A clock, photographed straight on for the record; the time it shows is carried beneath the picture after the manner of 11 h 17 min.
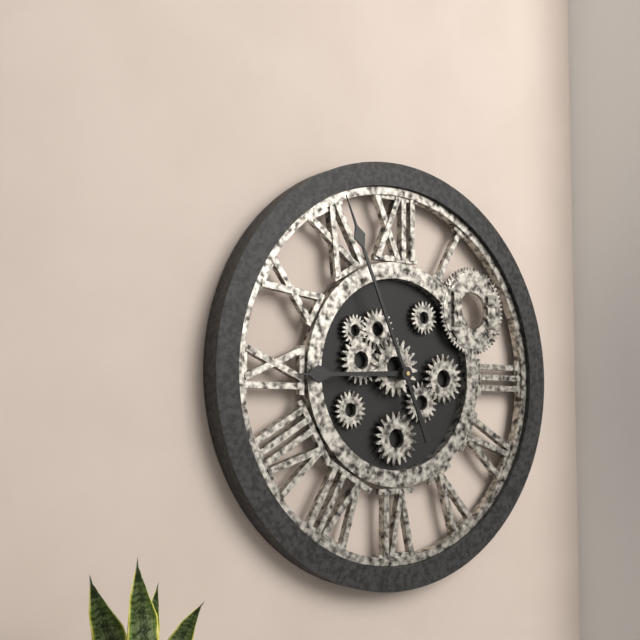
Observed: 8 h 56 min
